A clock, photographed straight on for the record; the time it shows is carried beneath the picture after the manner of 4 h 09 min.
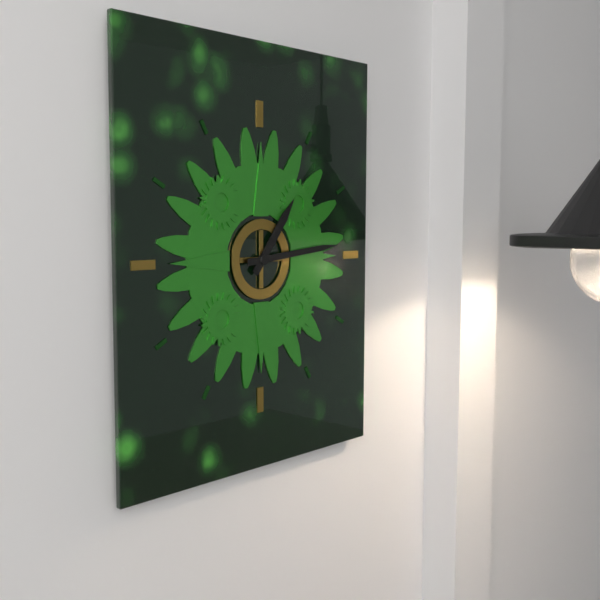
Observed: 1 h 14 min
